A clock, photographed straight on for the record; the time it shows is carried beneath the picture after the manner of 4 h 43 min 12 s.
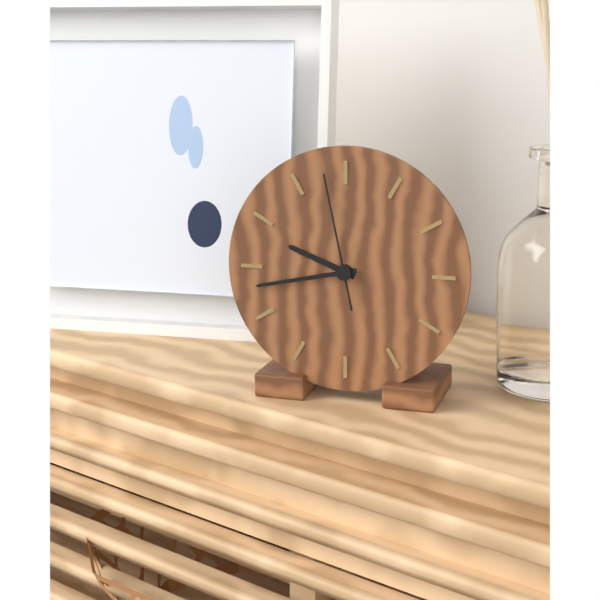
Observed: 9 h 43 min 58 s
